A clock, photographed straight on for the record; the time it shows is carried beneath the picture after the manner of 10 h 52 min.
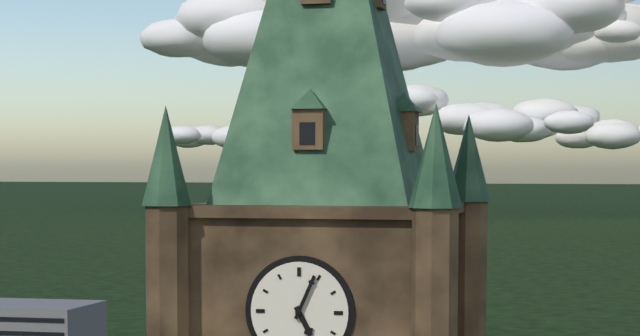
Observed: 5 h 04 min
